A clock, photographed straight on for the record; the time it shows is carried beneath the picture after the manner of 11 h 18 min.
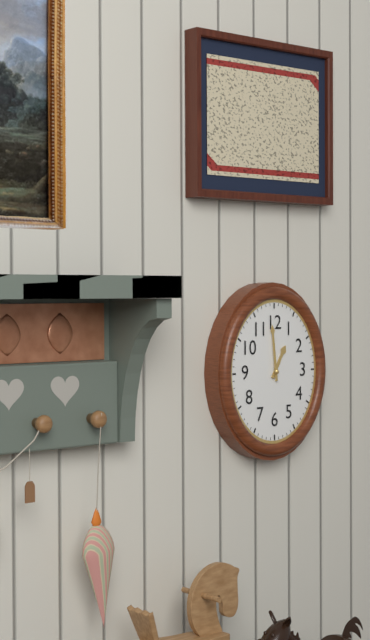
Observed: 12 h 59 min
